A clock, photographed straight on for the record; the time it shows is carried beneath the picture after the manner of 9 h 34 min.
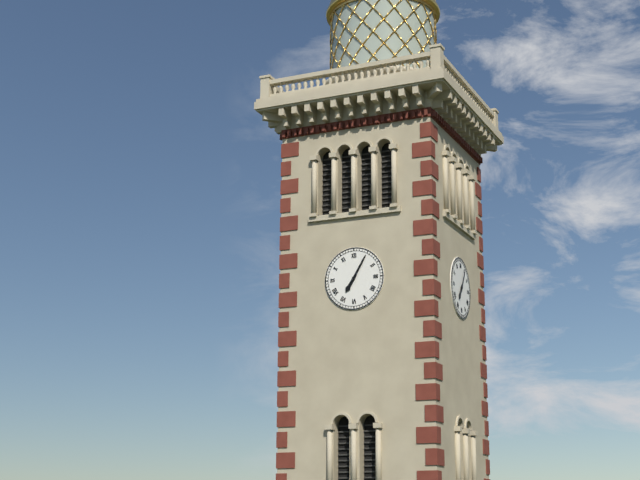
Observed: 7 h 05 min
